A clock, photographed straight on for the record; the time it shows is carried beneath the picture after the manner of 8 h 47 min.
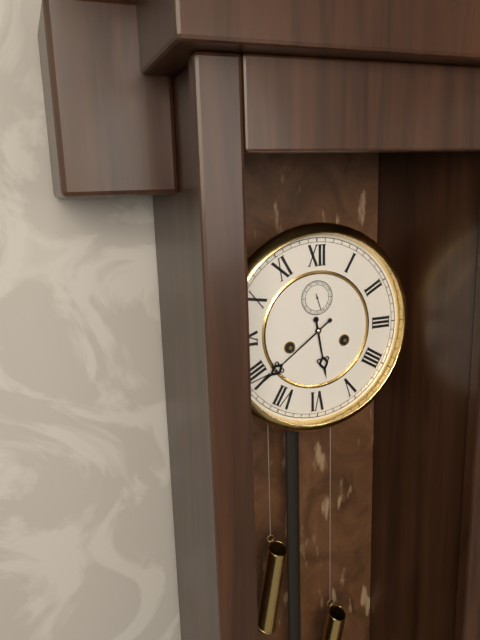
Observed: 5 h 39 min
